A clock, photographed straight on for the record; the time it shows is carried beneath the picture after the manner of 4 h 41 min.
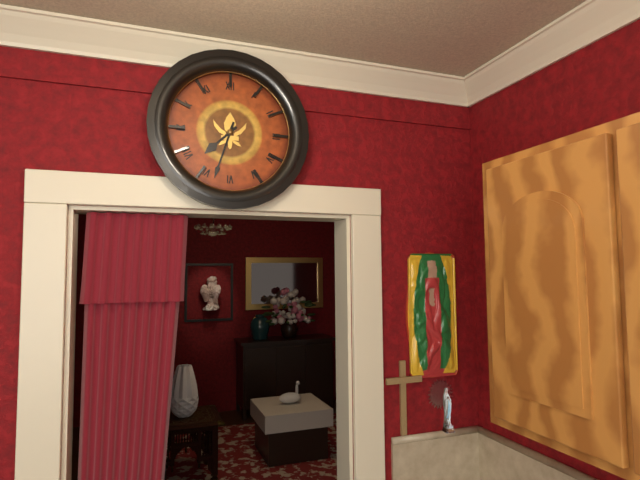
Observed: 7 h 33 min
